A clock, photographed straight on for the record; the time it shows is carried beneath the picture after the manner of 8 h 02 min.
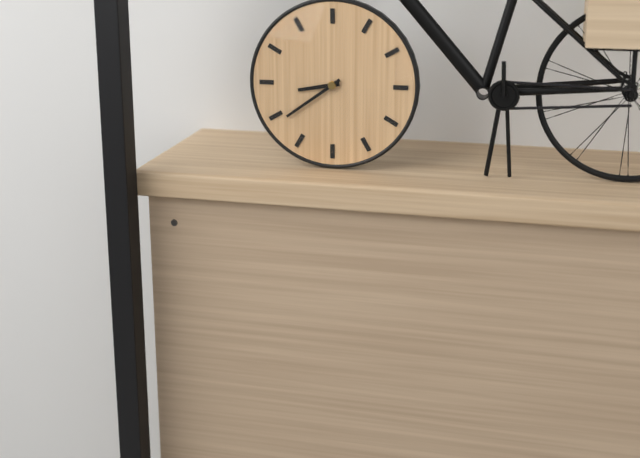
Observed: 8 h 39 min
